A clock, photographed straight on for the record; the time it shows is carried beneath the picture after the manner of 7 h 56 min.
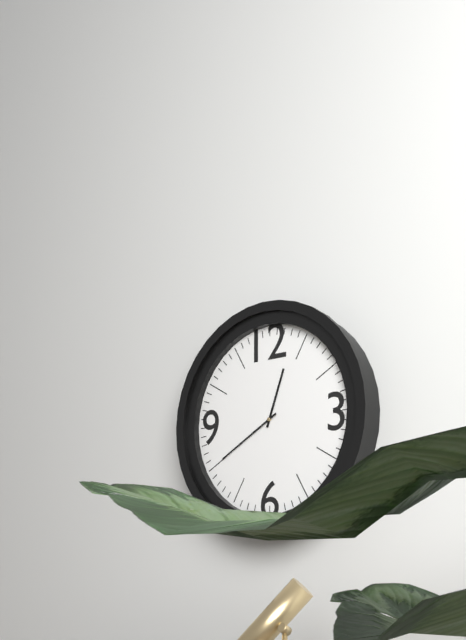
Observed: 12 h 40 min
